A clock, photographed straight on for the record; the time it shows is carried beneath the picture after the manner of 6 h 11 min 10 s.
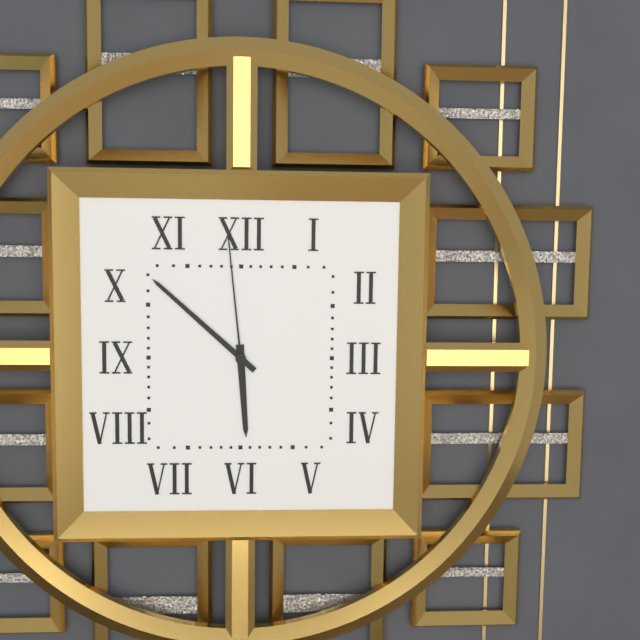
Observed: 5 h 52 min 59 s
